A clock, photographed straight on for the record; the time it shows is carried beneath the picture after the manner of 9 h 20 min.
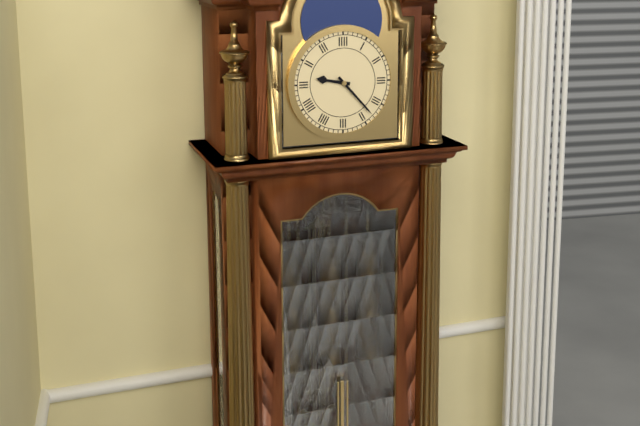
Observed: 9 h 23 min
